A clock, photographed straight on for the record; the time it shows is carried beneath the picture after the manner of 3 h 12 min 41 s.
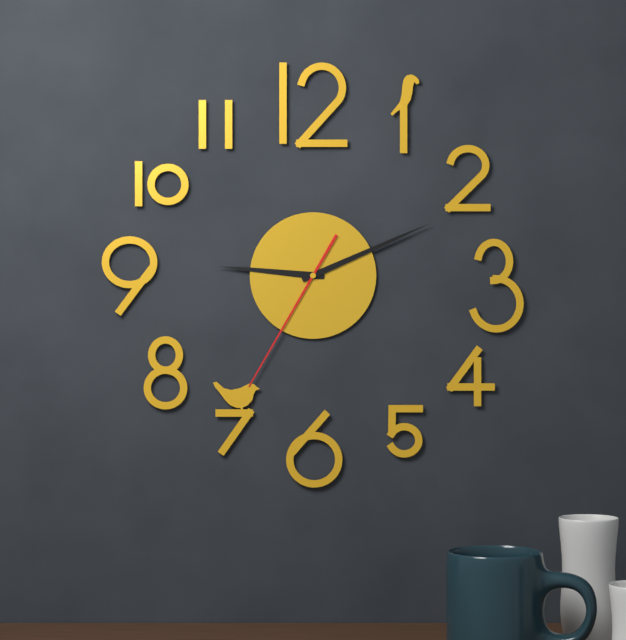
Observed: 9 h 11 min 35 s
